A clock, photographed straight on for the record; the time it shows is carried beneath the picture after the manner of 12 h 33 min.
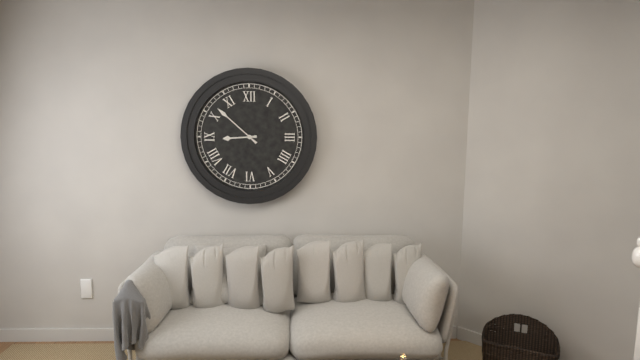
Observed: 8 h 52 min
